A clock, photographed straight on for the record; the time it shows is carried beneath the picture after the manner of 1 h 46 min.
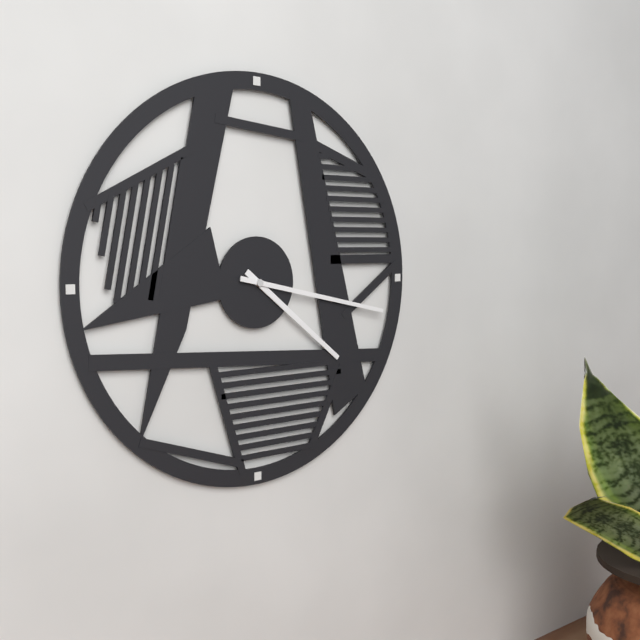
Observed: 4 h 17 min
